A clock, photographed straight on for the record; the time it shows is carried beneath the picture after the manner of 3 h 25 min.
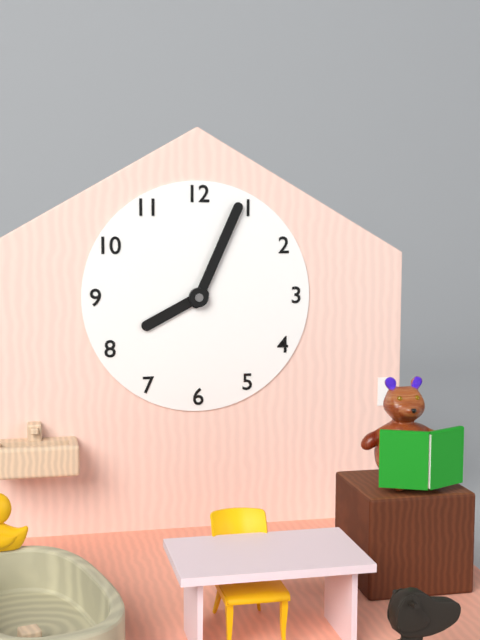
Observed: 8 h 04 min
